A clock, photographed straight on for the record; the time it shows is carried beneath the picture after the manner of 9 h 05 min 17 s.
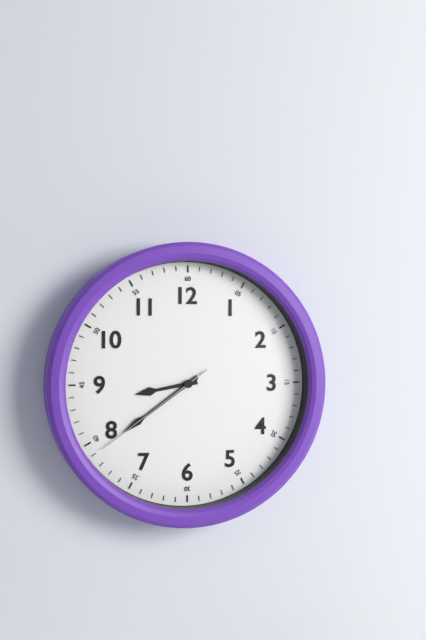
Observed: 8 h 39 min 39 s
